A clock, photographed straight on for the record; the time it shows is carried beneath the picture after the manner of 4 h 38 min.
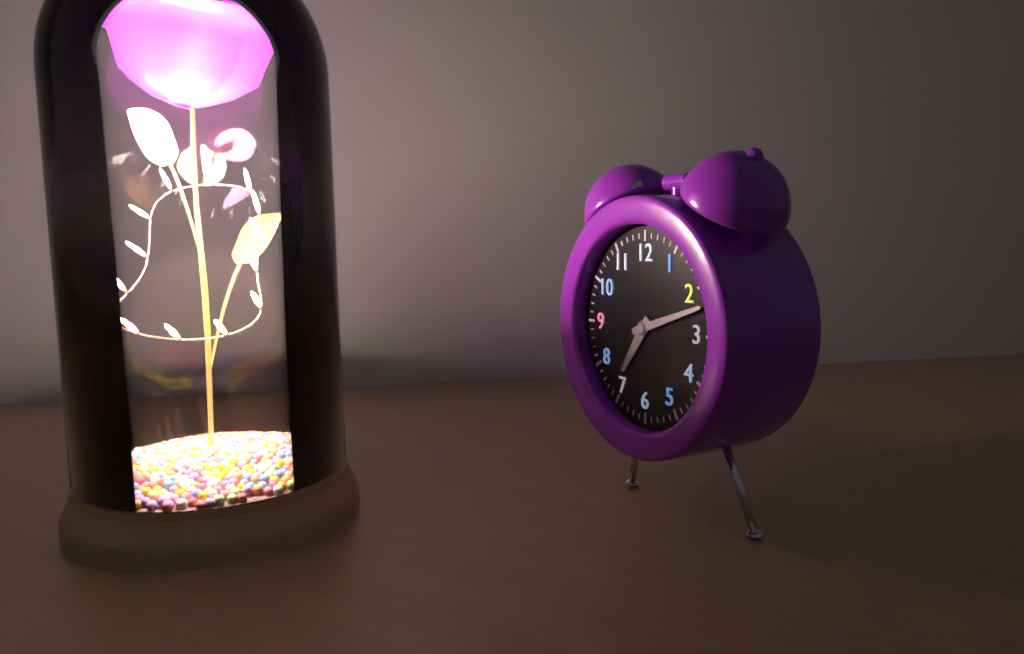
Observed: 7 h 12 min
